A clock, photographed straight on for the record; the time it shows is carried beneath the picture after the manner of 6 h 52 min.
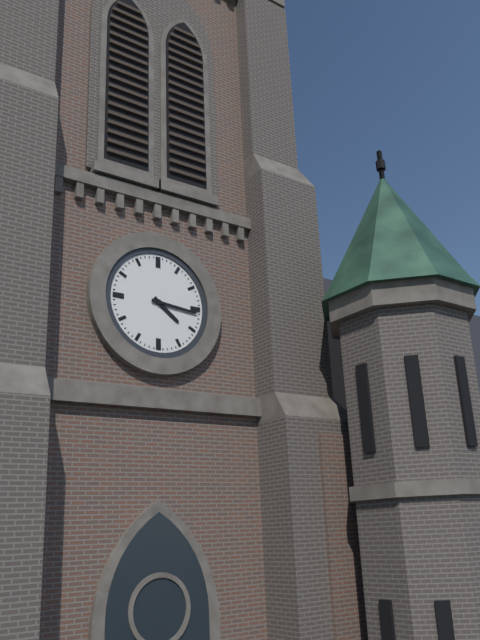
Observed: 4 h 16 min
